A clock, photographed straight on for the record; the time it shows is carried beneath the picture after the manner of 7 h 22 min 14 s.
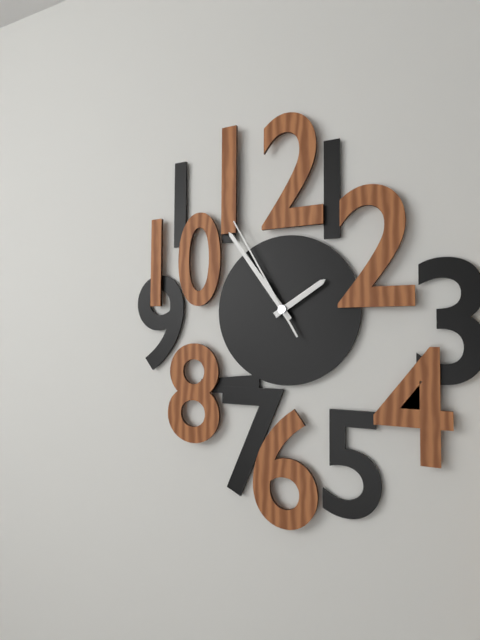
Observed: 1 h 54 min 55 s
